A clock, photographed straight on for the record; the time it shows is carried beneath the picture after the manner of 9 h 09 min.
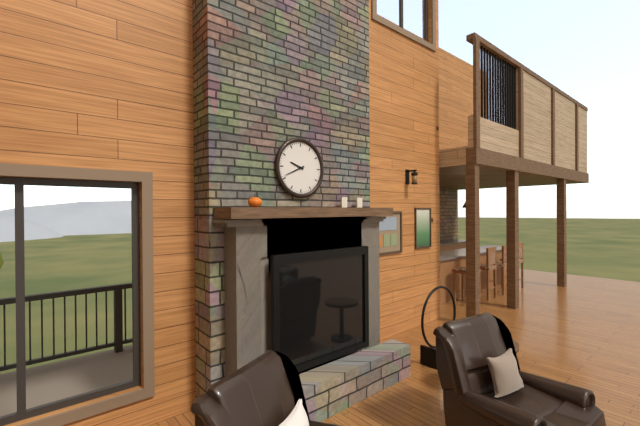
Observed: 9 h 41 min
